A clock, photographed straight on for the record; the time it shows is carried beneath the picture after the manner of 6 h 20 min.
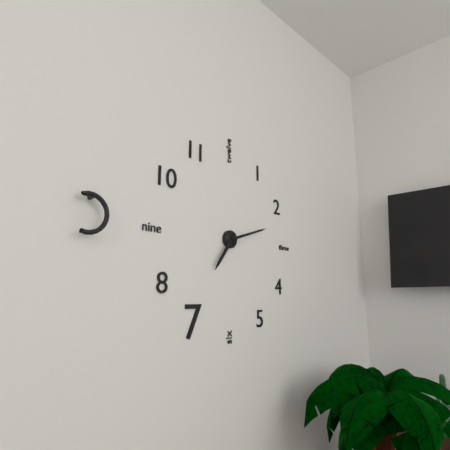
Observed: 7 h 12 min
